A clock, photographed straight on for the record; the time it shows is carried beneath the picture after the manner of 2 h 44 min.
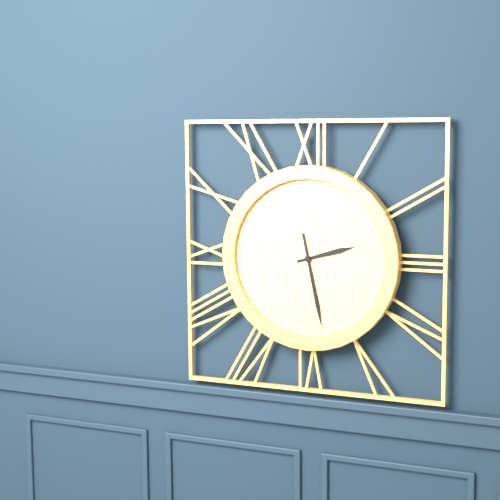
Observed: 2 h 28 min
